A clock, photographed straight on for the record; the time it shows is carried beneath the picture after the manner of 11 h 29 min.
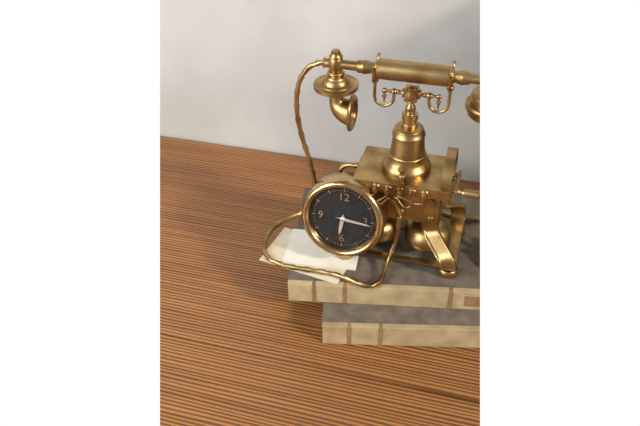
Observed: 6 h 16 min
